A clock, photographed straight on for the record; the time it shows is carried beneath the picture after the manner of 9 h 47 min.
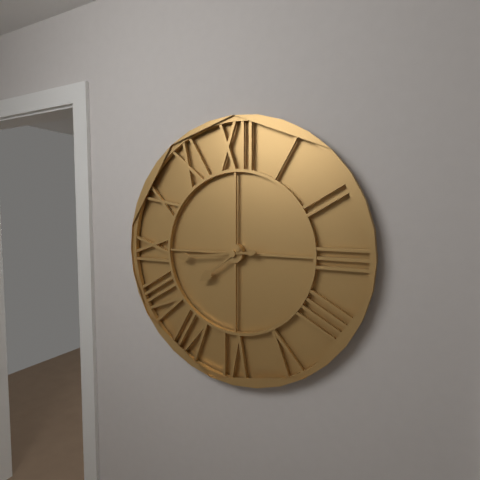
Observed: 7 h 44 min
